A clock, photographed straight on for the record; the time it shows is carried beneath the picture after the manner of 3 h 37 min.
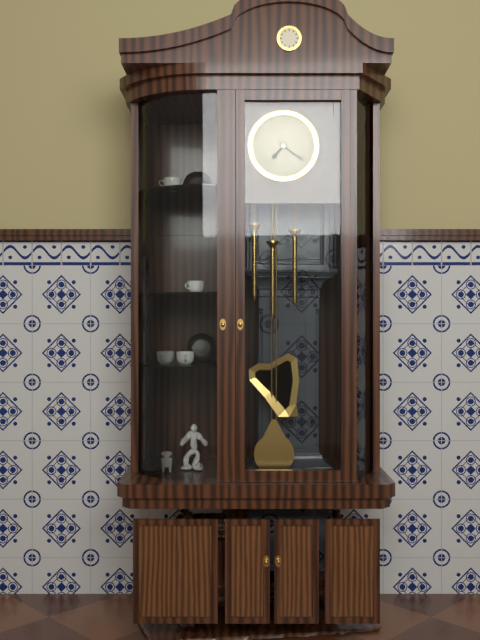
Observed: 7 h 21 min
